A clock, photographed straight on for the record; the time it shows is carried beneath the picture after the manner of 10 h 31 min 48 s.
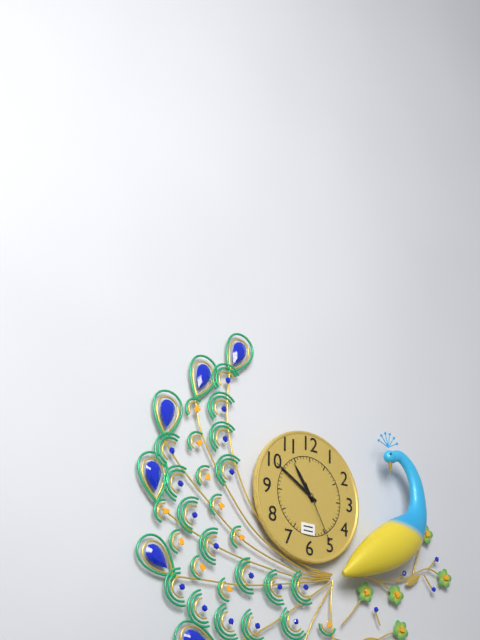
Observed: 10 h 50 min 25 s
